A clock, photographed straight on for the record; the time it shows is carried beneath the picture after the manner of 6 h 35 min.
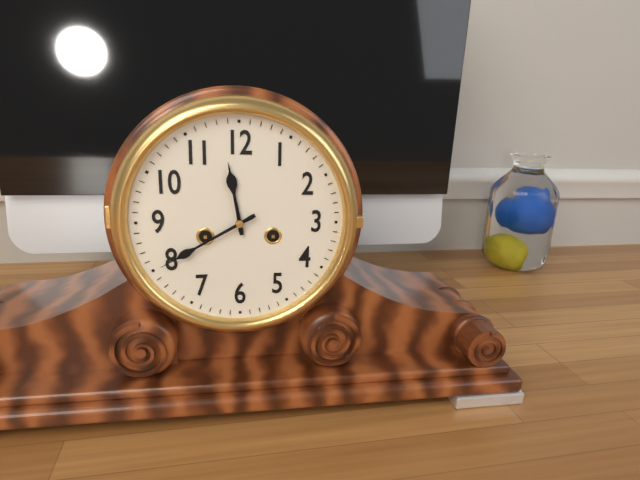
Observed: 11 h 40 min
